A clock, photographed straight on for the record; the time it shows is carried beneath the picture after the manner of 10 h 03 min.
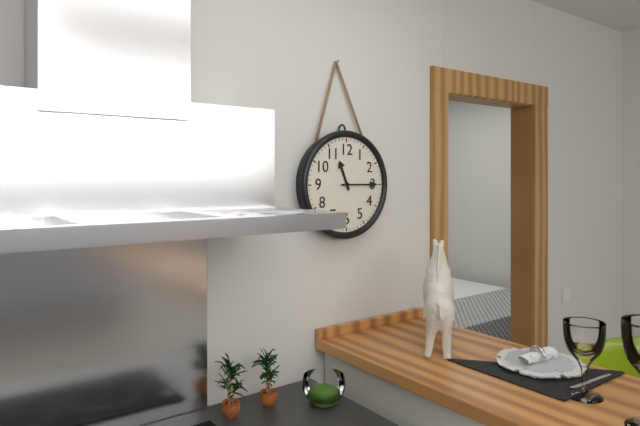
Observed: 11 h 15 min
